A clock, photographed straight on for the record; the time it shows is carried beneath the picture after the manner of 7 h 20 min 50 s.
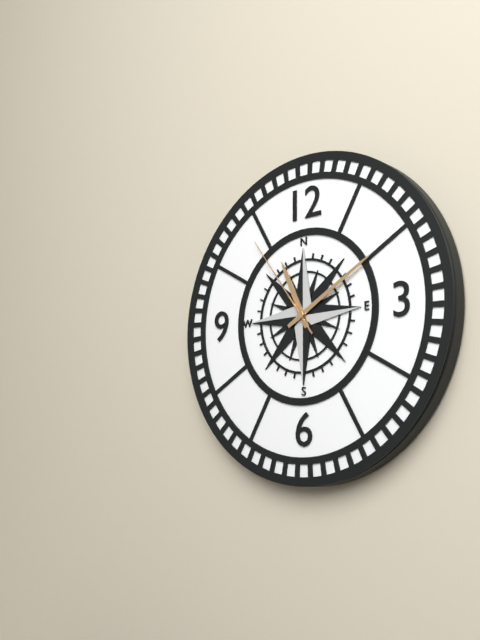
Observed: 11 h 10 min 54 s
